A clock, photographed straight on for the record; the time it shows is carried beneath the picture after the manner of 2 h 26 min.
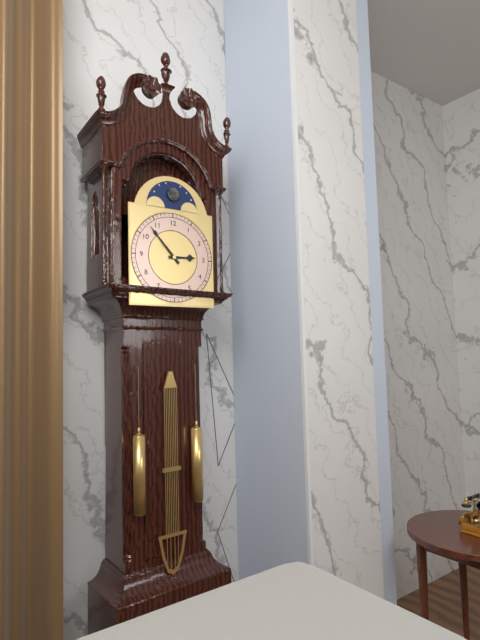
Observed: 2 h 53 min
